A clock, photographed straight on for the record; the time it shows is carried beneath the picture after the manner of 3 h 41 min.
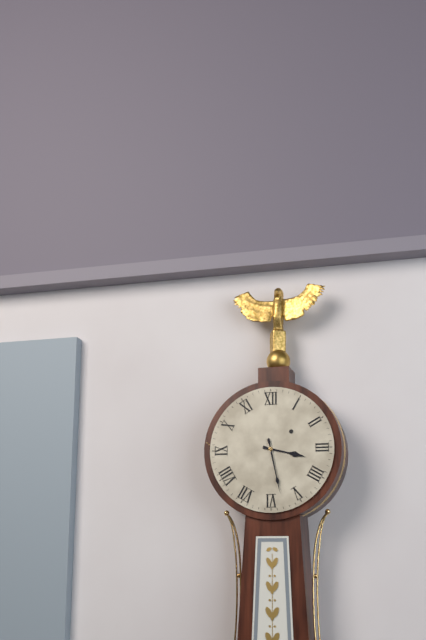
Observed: 3 h 28 min
